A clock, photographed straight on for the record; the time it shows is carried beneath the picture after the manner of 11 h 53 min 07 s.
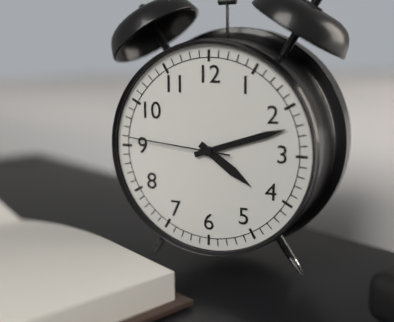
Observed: 4 h 12 min 46 s
